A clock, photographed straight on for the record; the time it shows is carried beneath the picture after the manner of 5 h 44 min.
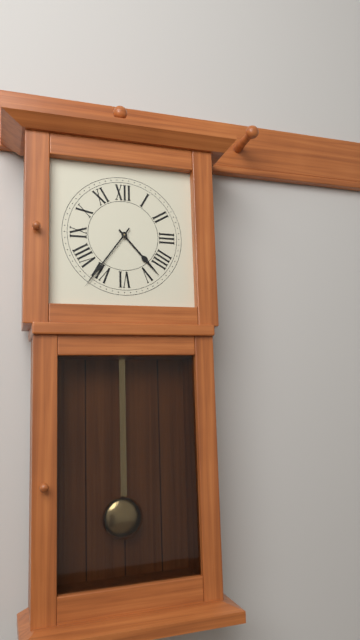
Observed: 4 h 36 min
